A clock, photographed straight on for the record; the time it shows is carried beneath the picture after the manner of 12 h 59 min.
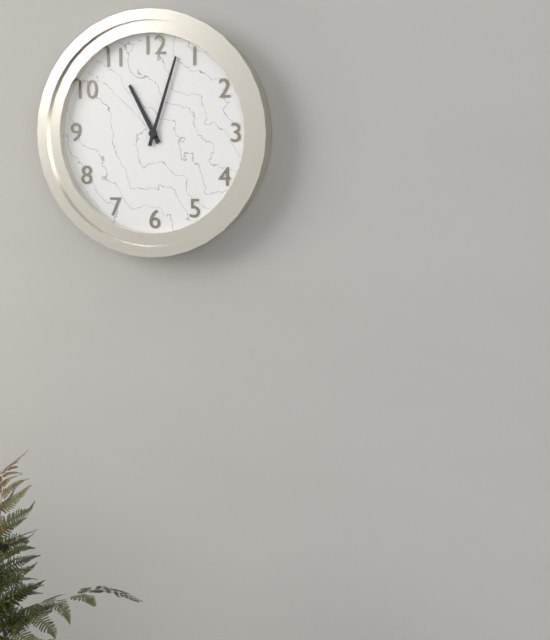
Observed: 11 h 03 min
